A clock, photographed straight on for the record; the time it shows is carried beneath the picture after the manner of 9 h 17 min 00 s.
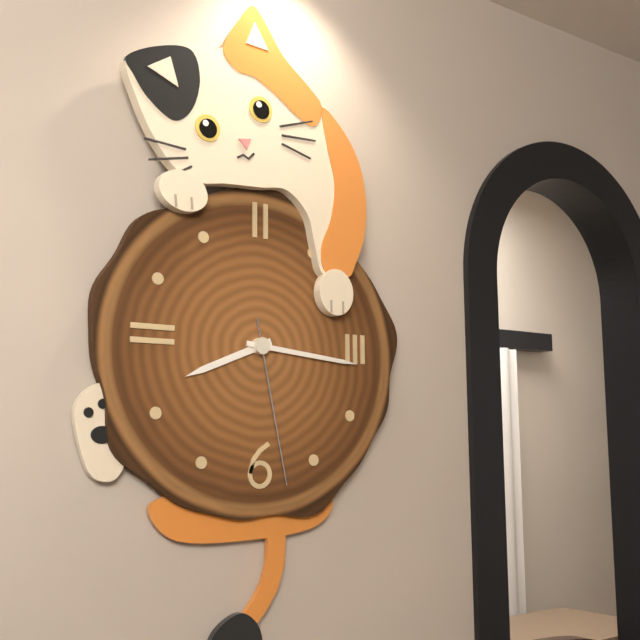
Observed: 8 h 16 min 28 s
